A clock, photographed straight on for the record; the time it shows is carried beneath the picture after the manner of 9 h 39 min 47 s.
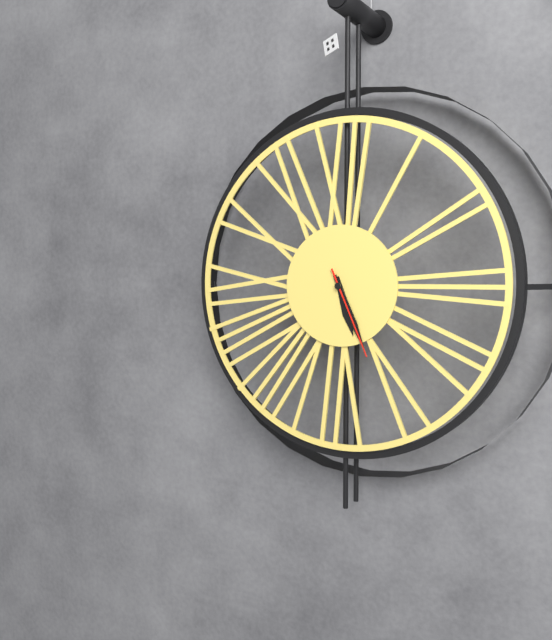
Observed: 5 h 26 min 26 s
